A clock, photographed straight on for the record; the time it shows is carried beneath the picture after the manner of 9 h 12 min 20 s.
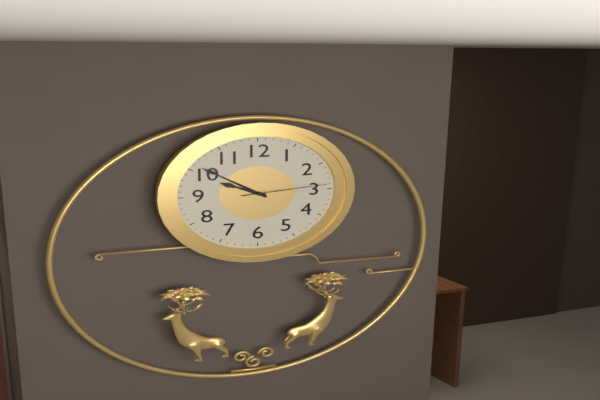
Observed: 9 h 51 min 14 s
